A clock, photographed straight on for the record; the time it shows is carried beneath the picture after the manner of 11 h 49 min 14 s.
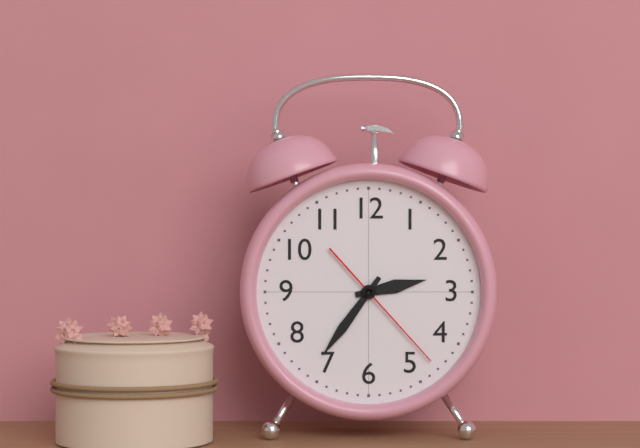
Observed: 2 h 36 min 23 s
